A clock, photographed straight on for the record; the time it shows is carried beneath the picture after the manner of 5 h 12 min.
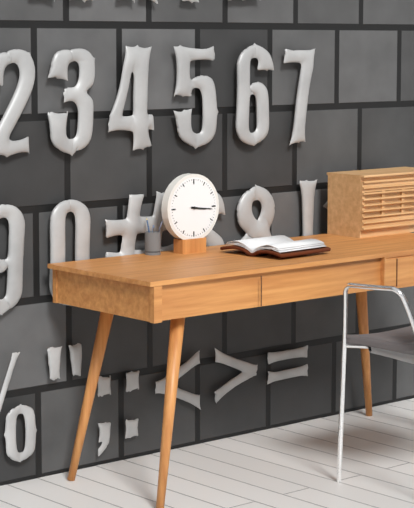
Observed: 3 h 16 min
